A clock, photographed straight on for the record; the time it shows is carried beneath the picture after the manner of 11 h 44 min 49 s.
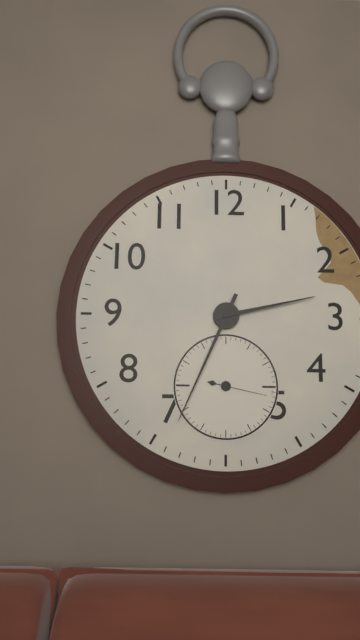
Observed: 2 h 34 min 17 s
